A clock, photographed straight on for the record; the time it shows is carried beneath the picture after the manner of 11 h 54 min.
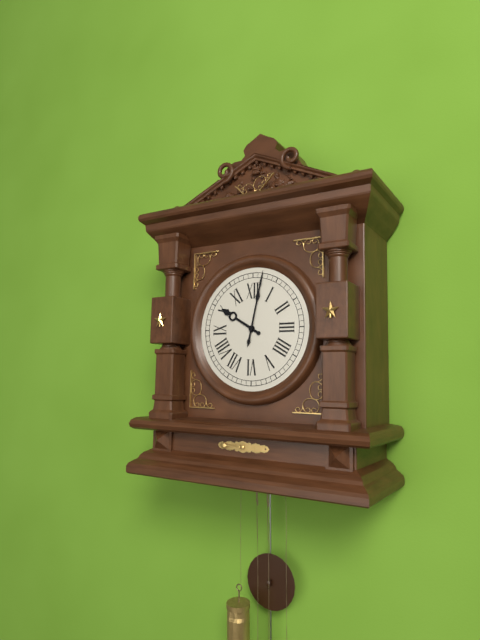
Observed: 10 h 02 min
